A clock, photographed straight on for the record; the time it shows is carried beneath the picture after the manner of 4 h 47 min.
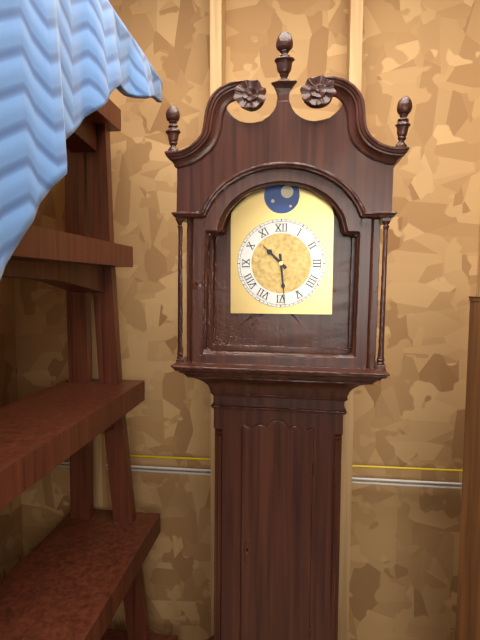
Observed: 10 h 29 min
